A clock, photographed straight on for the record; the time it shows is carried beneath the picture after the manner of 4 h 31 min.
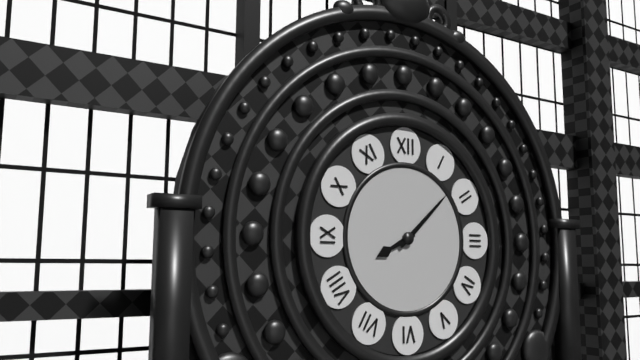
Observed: 8 h 08 min
